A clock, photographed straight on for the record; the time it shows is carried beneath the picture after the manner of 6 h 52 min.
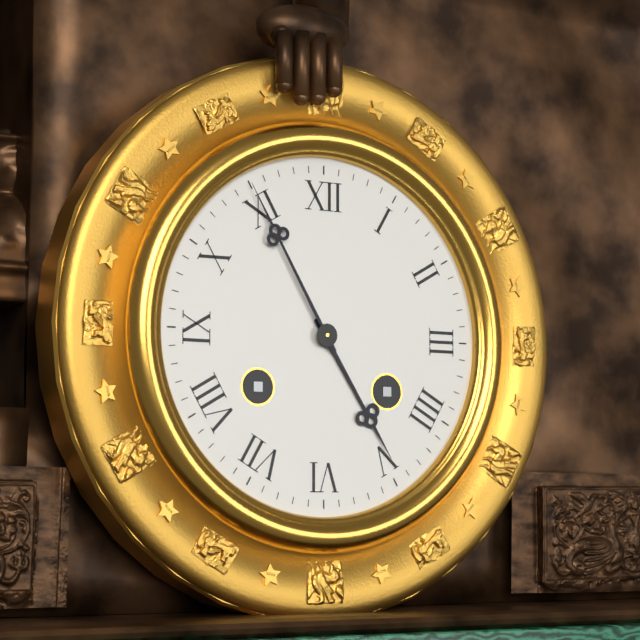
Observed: 4 h 55 min
